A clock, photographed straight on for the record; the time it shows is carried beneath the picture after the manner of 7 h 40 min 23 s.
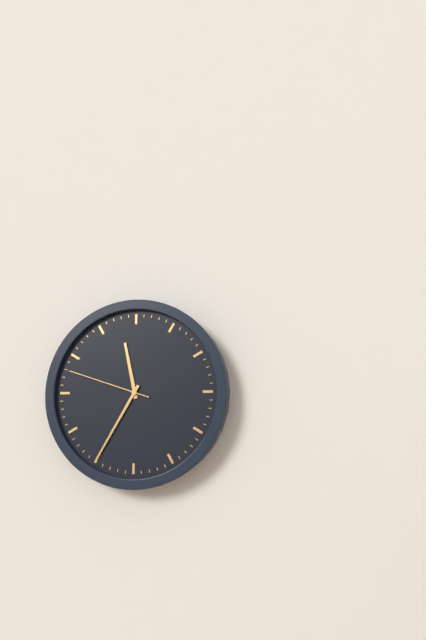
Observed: 11 h 35 min 48 s
